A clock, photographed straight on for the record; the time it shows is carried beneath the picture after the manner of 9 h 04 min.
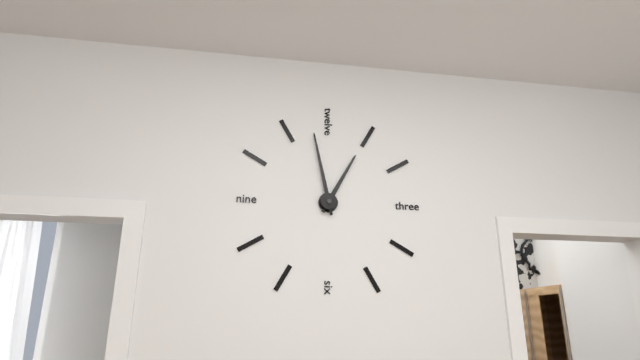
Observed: 12 h 58 min
